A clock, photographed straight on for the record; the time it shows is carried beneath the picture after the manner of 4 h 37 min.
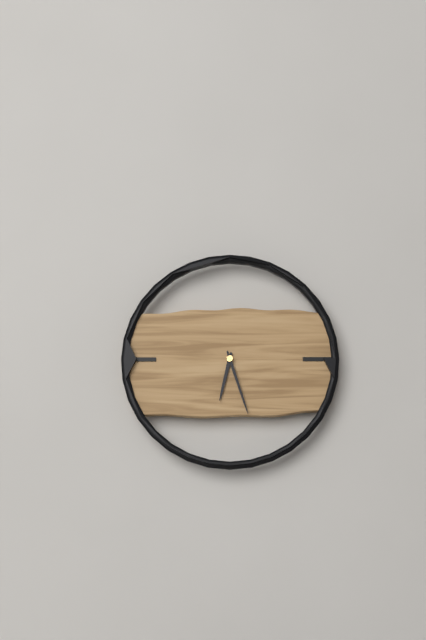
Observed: 6 h 27 min
